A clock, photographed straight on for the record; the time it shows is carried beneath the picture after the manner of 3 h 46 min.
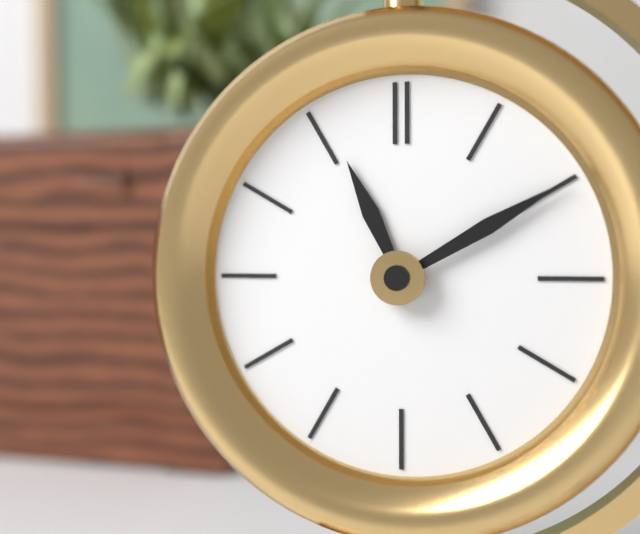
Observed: 11 h 10 min
